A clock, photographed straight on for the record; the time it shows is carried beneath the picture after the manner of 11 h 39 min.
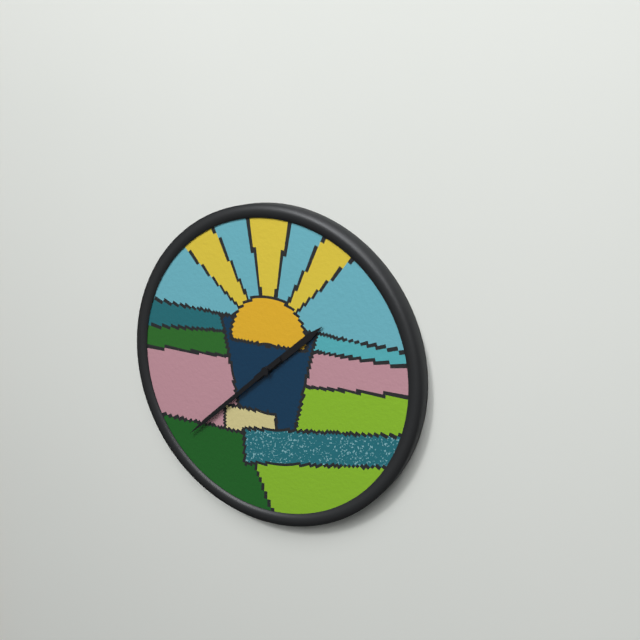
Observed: 1 h 38 min
